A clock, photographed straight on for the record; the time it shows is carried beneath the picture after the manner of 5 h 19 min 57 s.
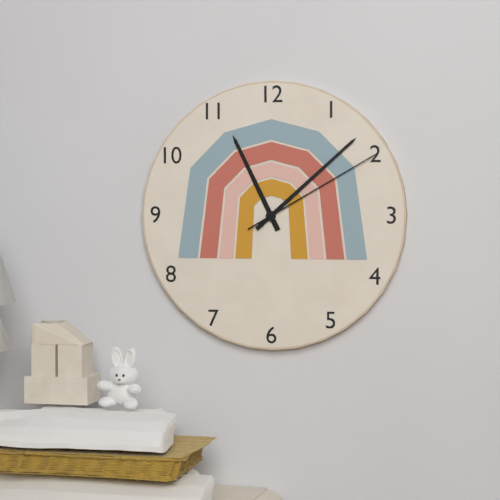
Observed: 11 h 08 min 10 s
